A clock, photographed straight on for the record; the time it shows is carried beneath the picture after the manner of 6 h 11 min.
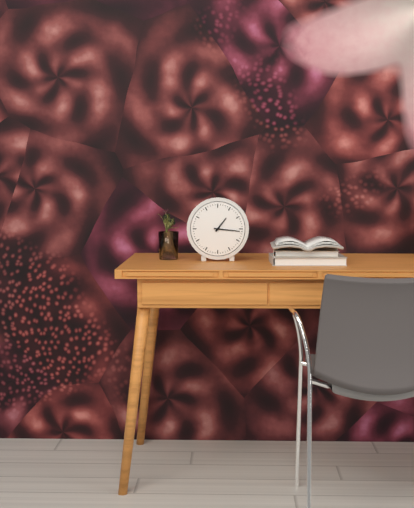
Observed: 1 h 16 min
